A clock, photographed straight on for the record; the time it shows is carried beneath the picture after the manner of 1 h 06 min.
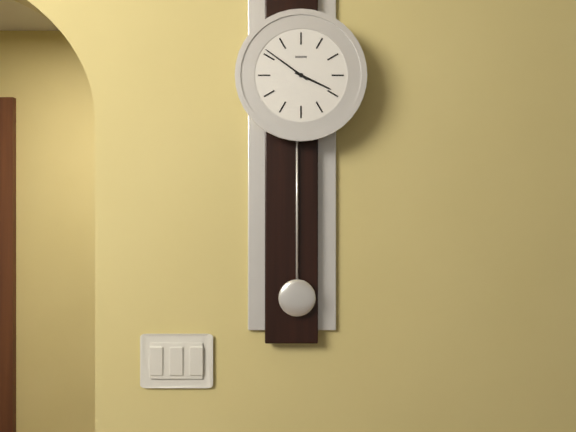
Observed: 3 h 51 min
